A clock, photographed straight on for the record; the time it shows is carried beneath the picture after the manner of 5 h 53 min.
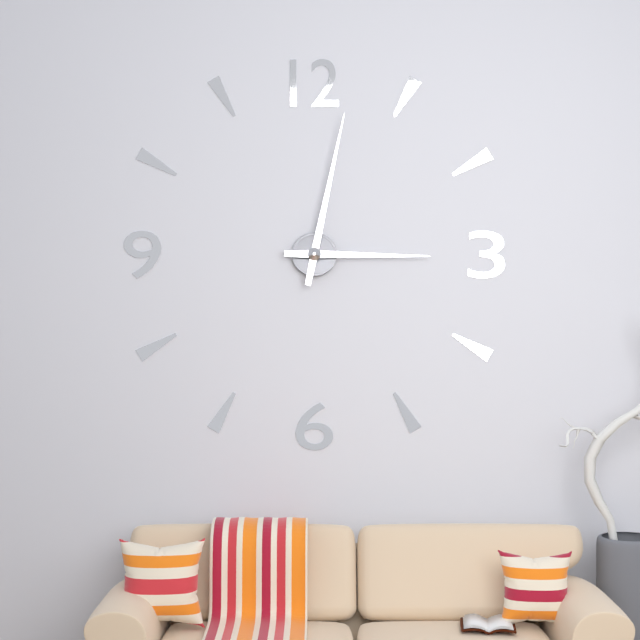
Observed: 3 h 02 min
